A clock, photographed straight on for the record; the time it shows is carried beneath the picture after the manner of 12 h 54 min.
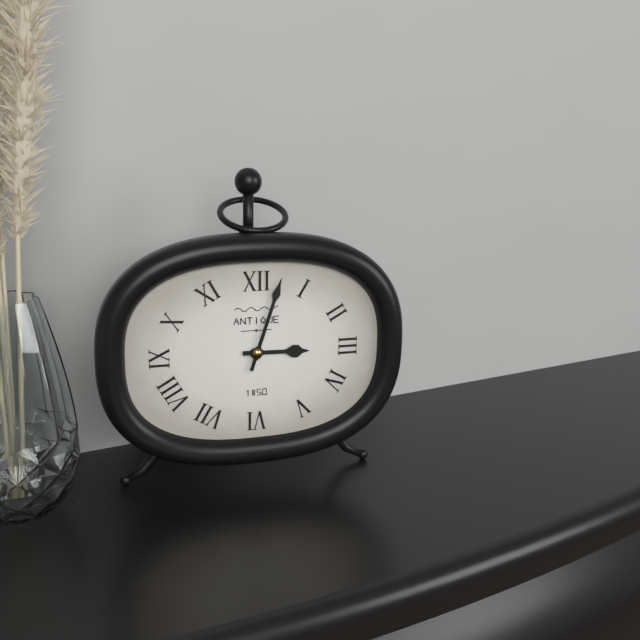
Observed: 3 h 03 min
